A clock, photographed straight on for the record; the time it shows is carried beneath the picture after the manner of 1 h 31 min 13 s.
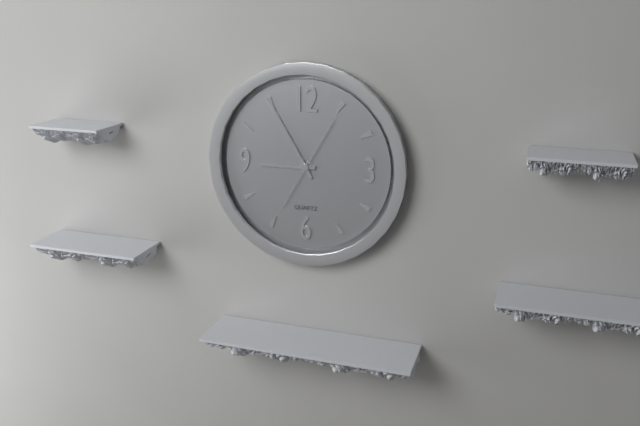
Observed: 8 h 55 min 05 s
